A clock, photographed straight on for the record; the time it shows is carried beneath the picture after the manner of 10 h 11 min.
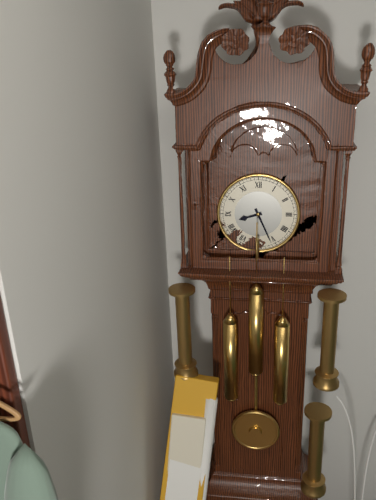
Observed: 8 h 26 min
